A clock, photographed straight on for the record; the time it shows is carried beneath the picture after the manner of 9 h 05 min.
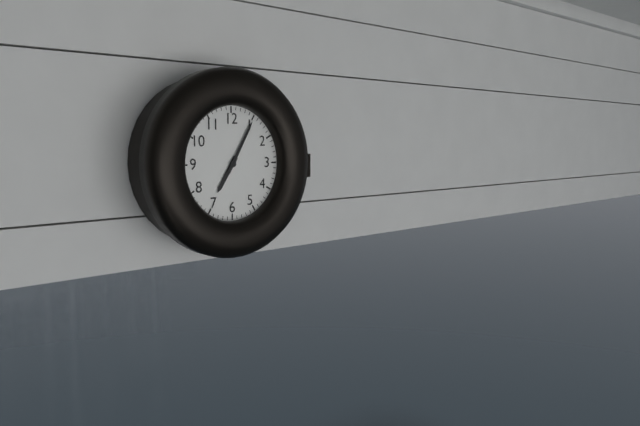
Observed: 7 h 05 min
